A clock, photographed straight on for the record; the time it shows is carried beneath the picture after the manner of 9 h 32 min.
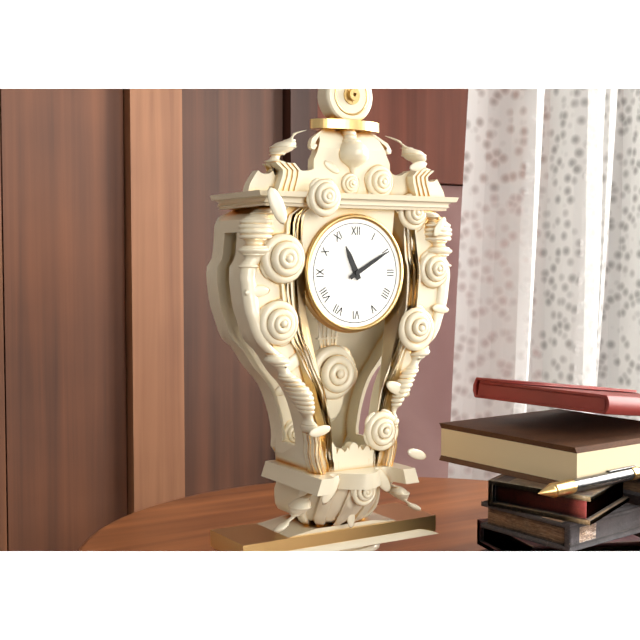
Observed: 11 h 10 min
